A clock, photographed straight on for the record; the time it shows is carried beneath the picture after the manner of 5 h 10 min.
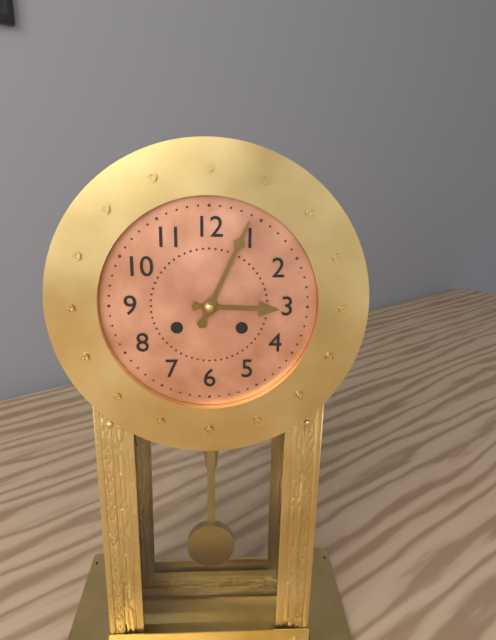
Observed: 3 h 04 min
